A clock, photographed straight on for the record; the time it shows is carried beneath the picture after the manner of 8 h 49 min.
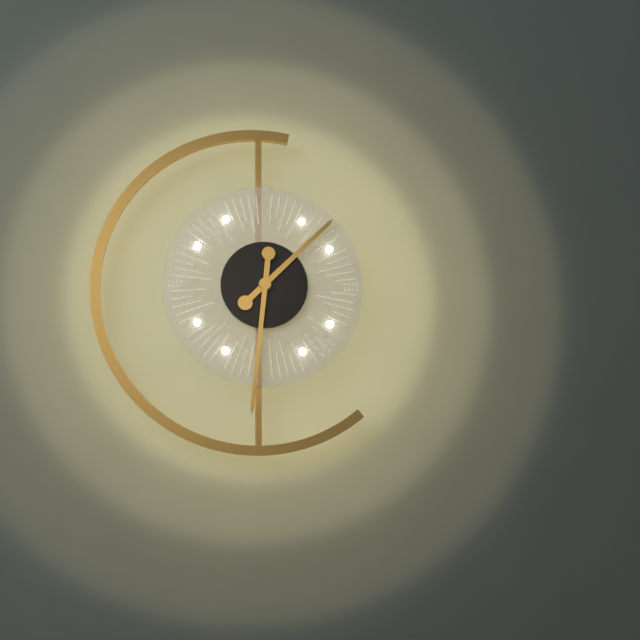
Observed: 1 h 31 min
